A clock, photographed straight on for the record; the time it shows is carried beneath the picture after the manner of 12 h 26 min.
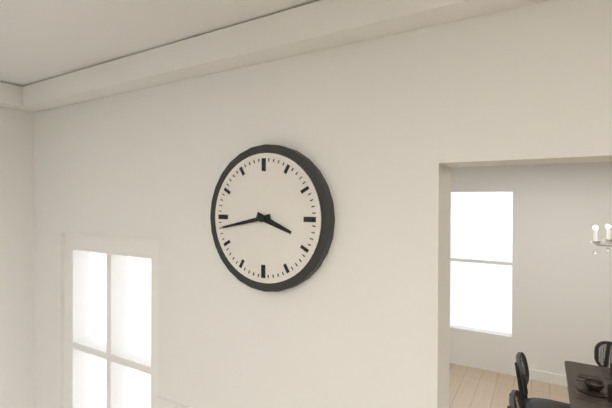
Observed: 3 h 43 min
